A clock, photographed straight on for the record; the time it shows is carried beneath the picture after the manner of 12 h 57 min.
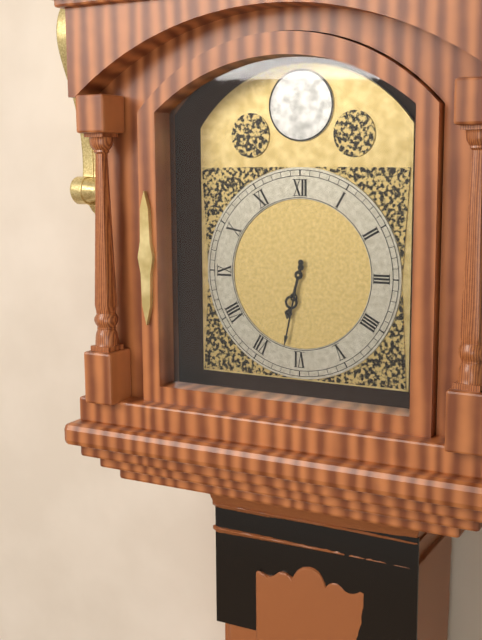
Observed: 6 h 32 min
